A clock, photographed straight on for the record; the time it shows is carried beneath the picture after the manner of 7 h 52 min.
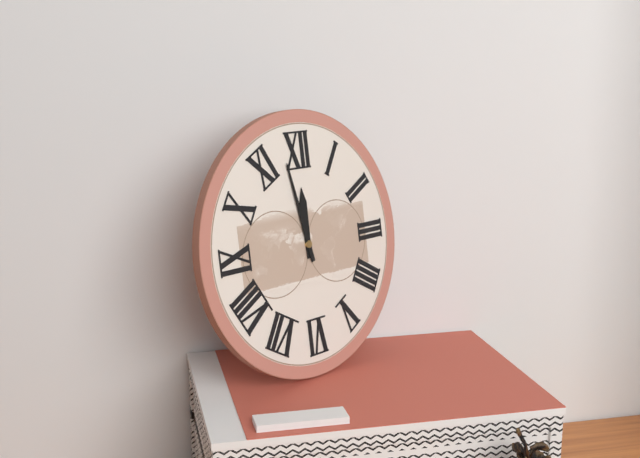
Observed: 11 h 58 min
